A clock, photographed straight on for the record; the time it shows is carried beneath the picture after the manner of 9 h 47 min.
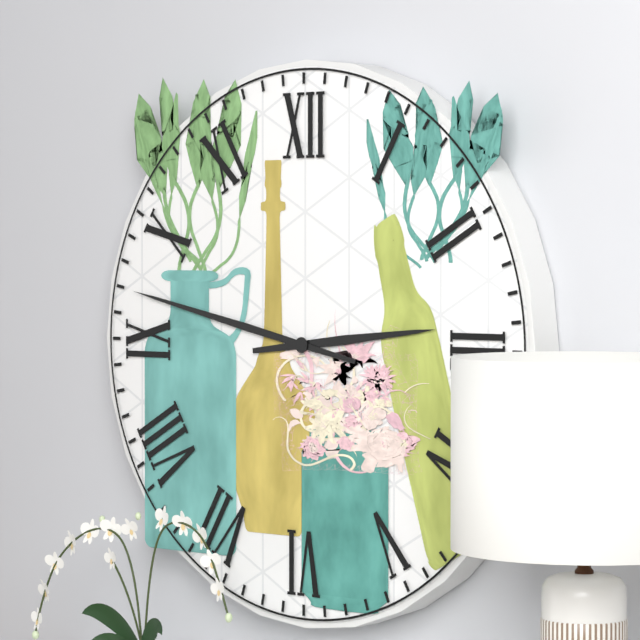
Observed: 2 h 47 min
